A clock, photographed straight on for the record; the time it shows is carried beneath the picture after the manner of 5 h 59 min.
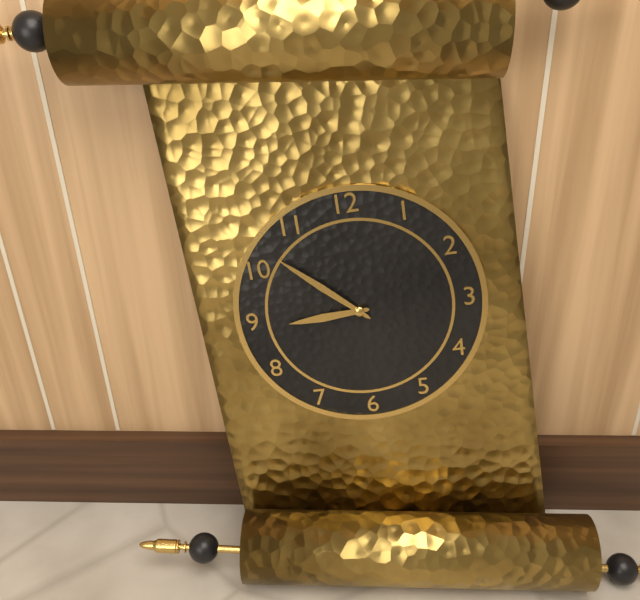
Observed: 8 h 52 min
